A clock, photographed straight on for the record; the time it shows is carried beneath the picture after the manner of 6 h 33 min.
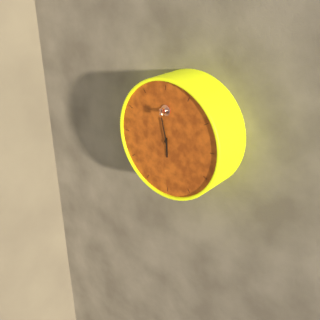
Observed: 5 h 58 min
